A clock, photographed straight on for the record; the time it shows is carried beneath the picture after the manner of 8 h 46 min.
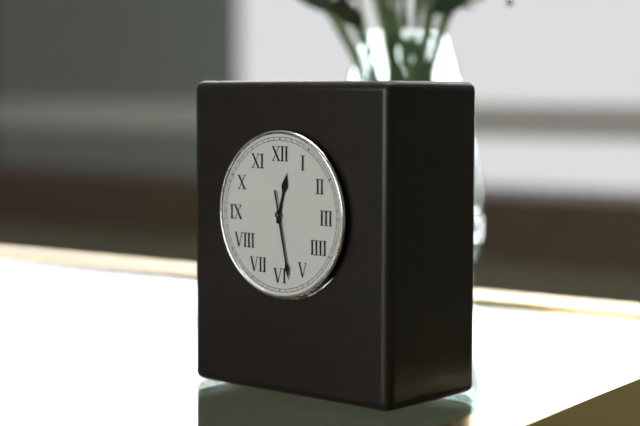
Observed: 12 h 28 min
